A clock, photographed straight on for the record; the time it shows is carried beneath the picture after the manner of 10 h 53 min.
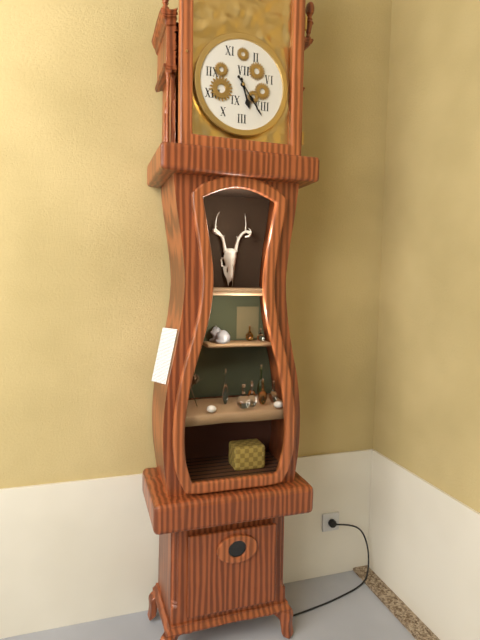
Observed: 5 h 24 min
